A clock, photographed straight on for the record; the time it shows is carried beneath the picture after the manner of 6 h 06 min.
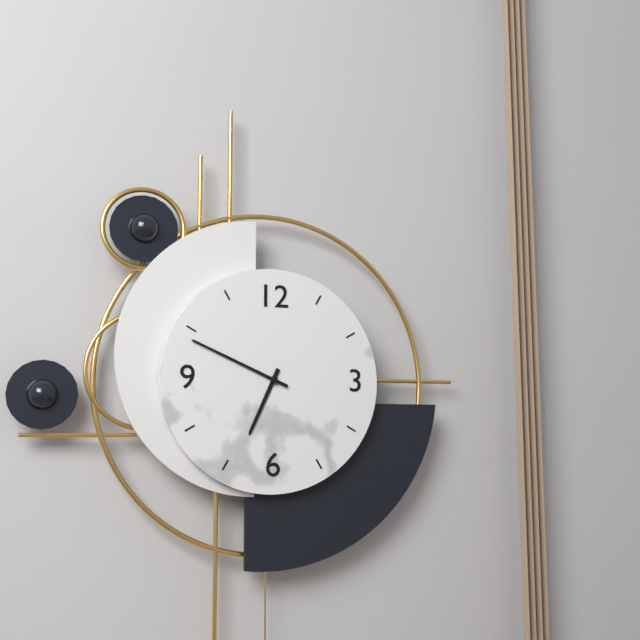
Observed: 6 h 49 min
